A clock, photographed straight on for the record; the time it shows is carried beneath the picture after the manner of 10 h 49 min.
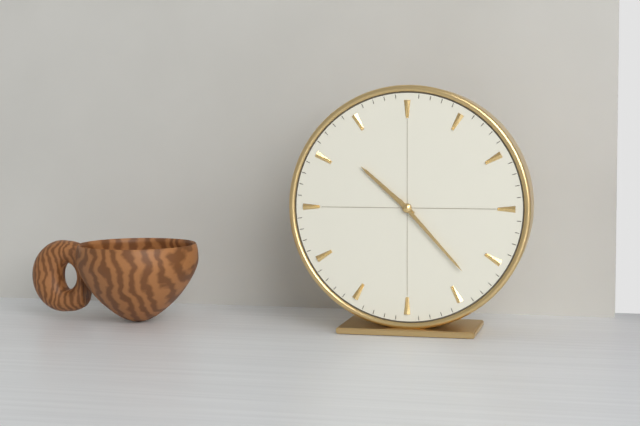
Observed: 10 h 23 min
